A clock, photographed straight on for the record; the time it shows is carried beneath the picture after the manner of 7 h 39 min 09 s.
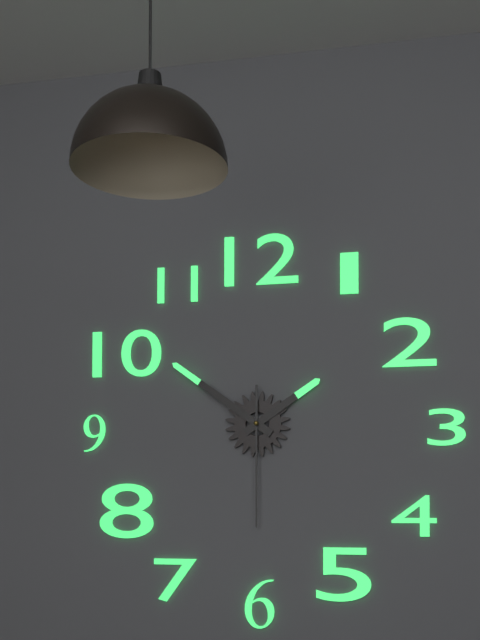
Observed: 1 h 51 min 30 s
